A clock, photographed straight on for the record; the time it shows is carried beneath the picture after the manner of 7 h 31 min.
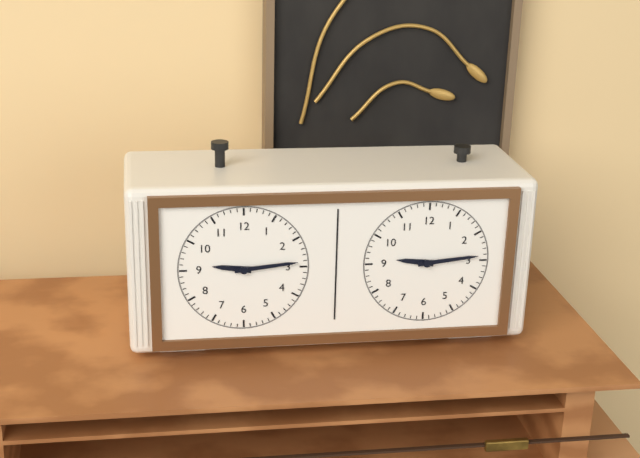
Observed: 9 h 14 min
